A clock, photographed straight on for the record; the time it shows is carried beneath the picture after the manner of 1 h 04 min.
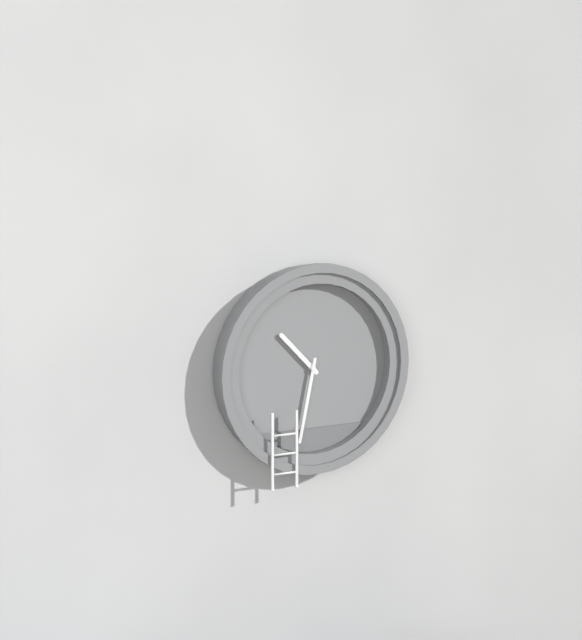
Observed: 10 h 32 min
